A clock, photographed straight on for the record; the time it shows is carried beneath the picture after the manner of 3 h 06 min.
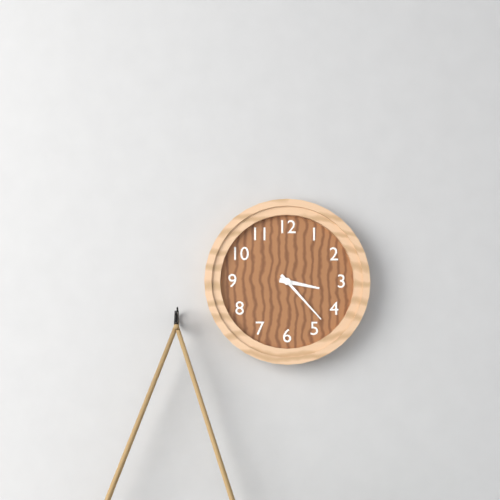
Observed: 3 h 23 min
